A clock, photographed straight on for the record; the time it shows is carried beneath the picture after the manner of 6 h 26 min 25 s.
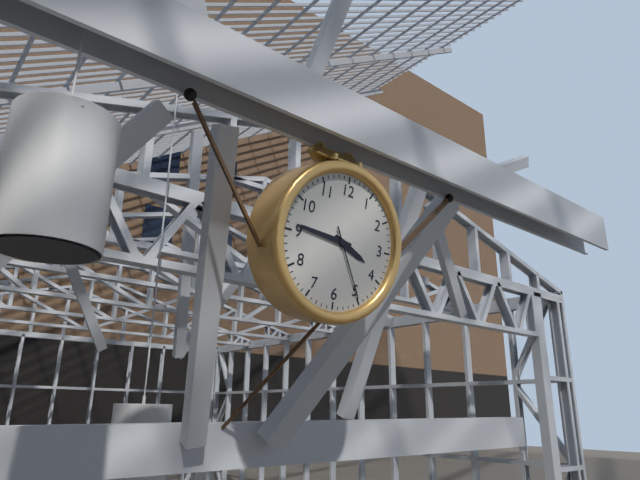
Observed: 3 h 46 min 25 s
